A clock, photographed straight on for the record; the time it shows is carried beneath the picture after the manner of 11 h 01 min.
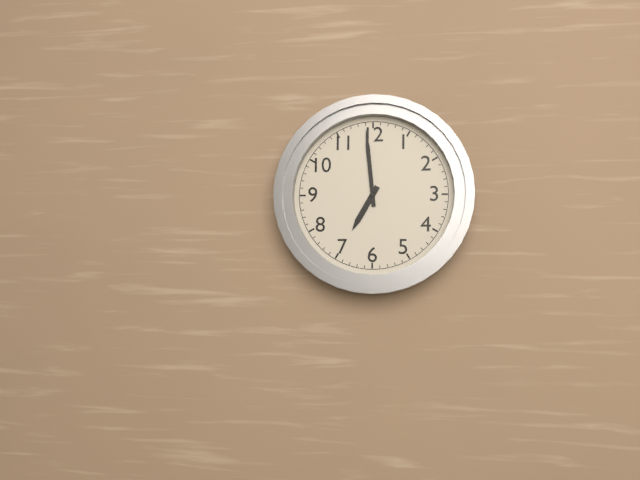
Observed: 6 h 59 min
